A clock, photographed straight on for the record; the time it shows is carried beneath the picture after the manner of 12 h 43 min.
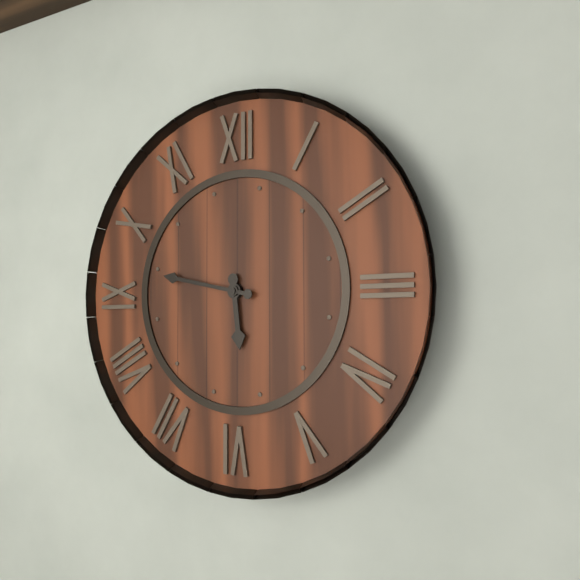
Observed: 5 h 47 min
